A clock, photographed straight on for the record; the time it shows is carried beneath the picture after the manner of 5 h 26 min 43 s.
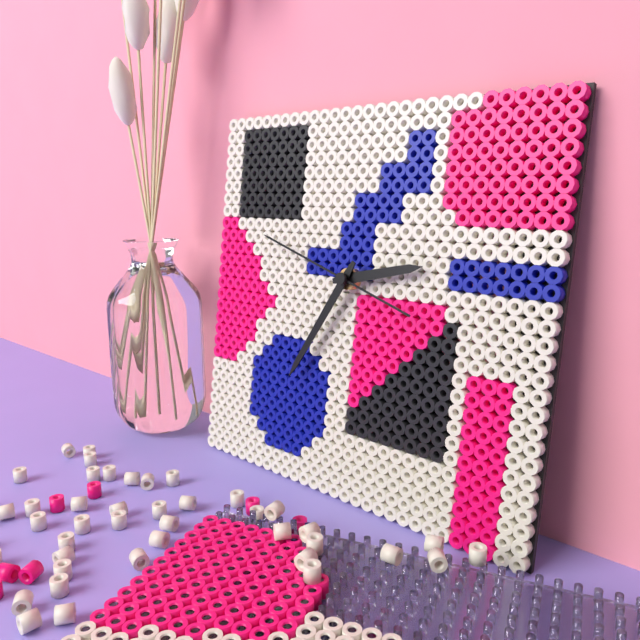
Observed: 2 h 35 min 48 s
